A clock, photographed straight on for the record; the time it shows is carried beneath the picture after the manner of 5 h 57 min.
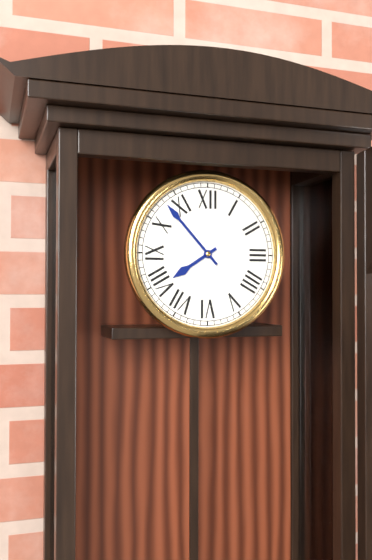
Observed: 7 h 53 min
